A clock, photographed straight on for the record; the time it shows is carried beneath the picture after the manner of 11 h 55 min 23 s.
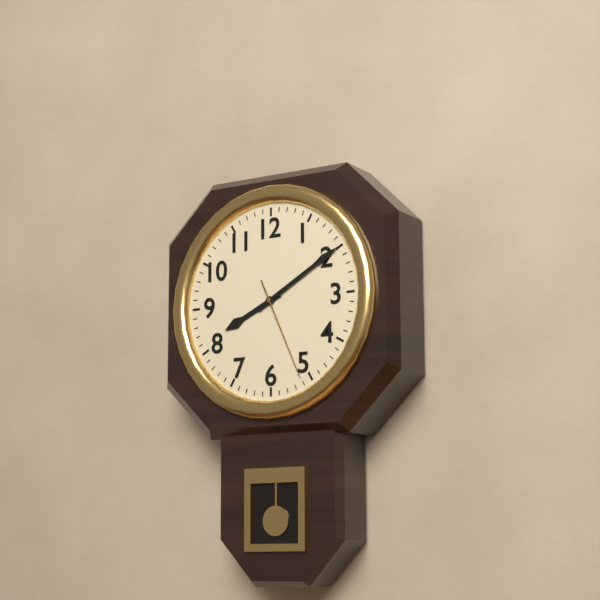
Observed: 8 h 10 min 26 s
